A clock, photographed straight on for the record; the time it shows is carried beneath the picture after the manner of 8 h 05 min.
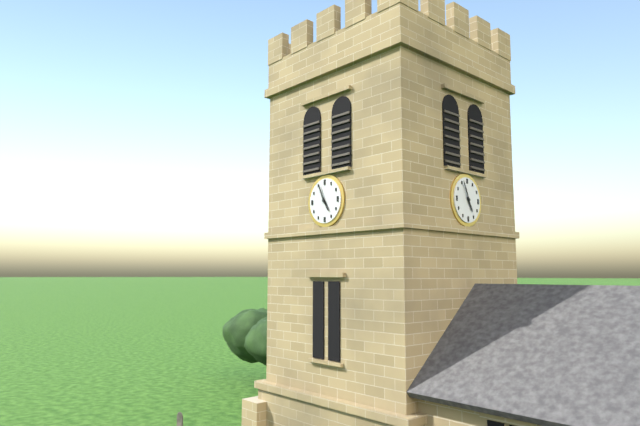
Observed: 4 h 56 min
